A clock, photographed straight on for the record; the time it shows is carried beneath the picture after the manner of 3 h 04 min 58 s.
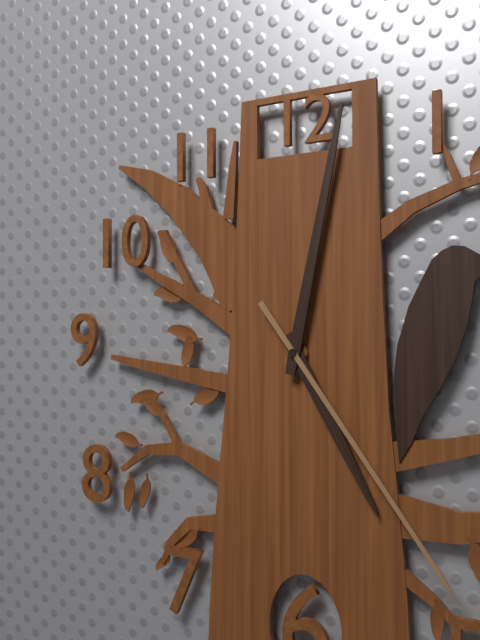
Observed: 5 h 02 min 24 s
